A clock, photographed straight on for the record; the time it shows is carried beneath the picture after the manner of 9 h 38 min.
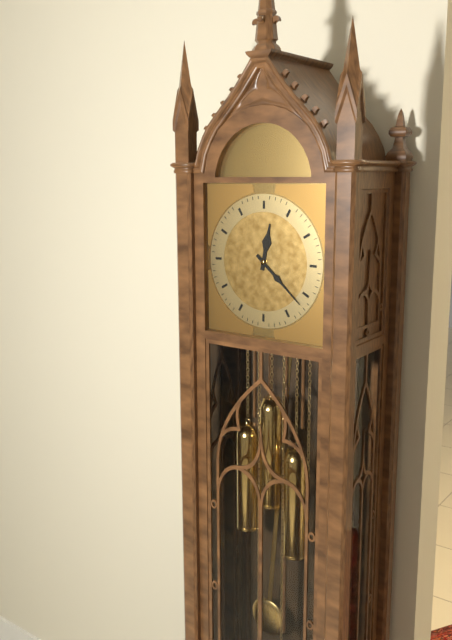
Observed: 12 h 22 min
